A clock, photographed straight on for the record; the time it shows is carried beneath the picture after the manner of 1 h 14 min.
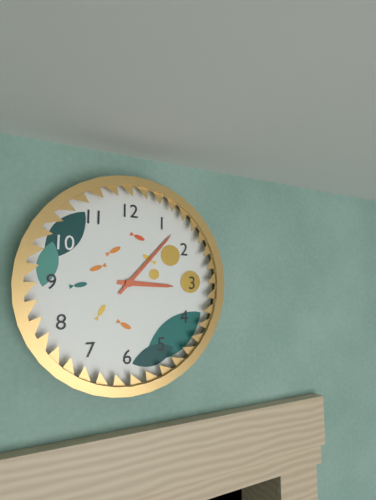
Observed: 3 h 07 min
